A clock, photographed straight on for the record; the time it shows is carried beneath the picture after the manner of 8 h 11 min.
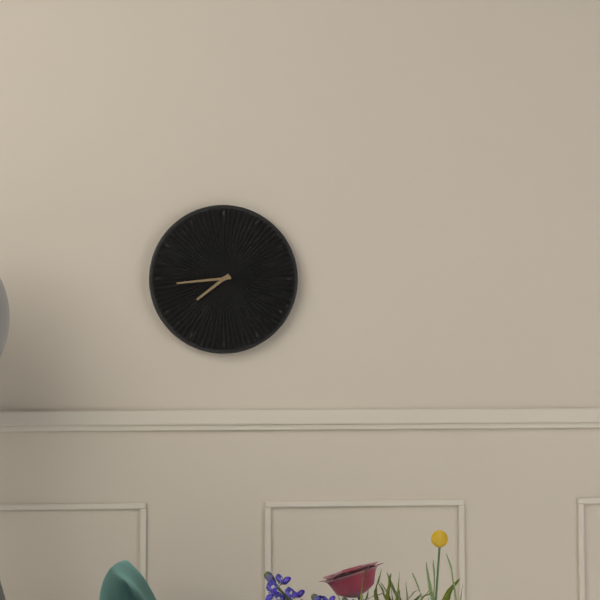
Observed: 7 h 44 min
